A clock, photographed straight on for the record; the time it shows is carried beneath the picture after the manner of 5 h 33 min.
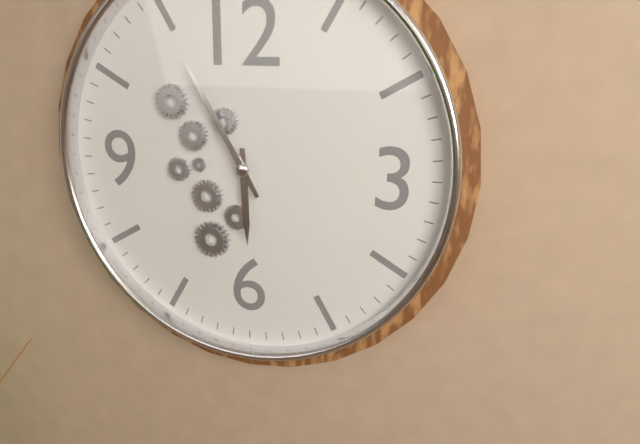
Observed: 5 h 55 min
